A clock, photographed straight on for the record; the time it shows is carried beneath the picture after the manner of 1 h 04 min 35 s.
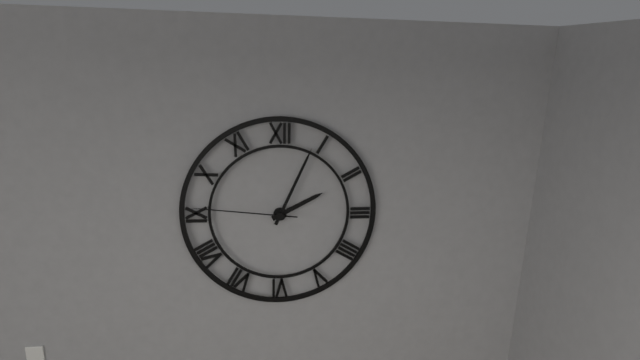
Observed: 2 h 04 min 46 s
